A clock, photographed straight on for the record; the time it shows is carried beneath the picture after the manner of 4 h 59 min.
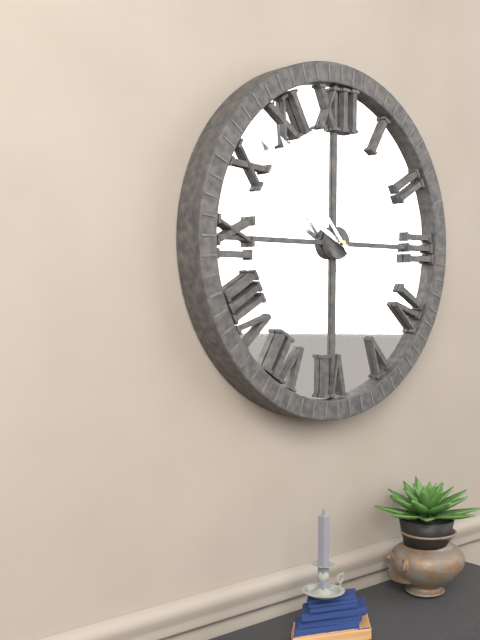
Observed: 9 h 53 min
